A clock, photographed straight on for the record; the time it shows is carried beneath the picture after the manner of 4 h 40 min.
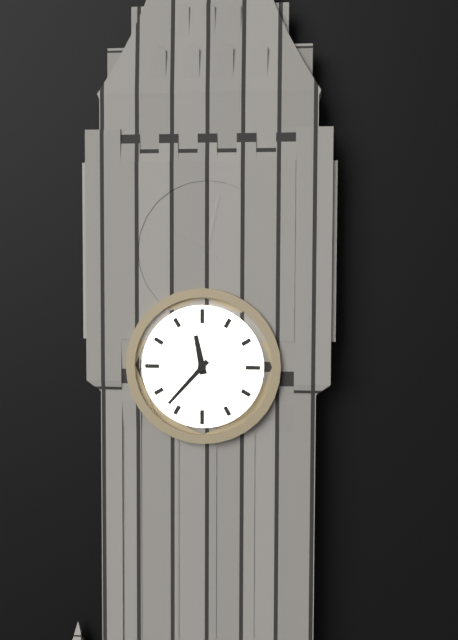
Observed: 11 h 37 min
